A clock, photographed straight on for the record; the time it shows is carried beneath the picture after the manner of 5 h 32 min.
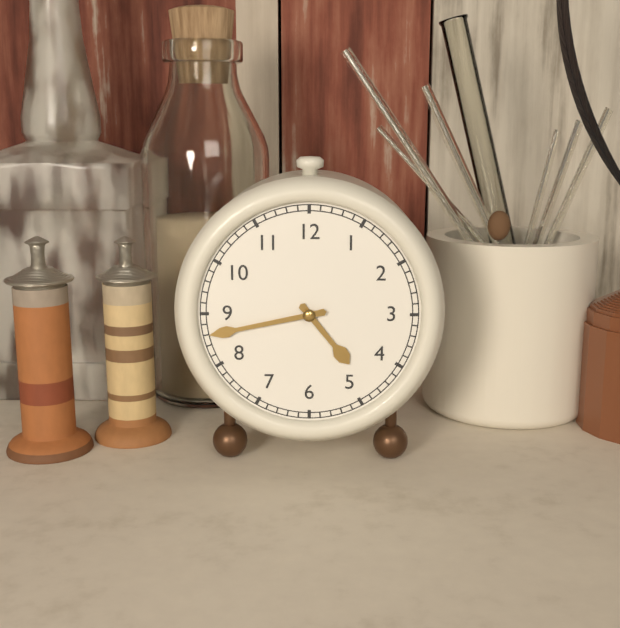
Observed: 4 h 43 min
